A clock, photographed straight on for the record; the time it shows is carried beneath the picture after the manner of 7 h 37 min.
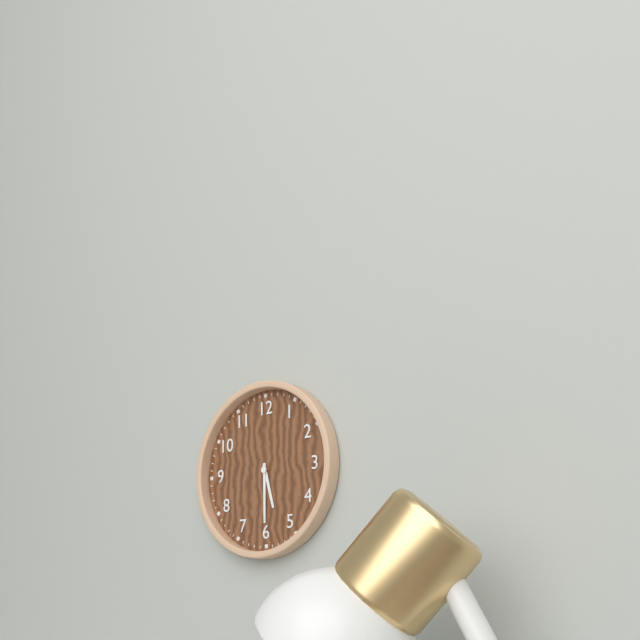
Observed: 5 h 30 min
